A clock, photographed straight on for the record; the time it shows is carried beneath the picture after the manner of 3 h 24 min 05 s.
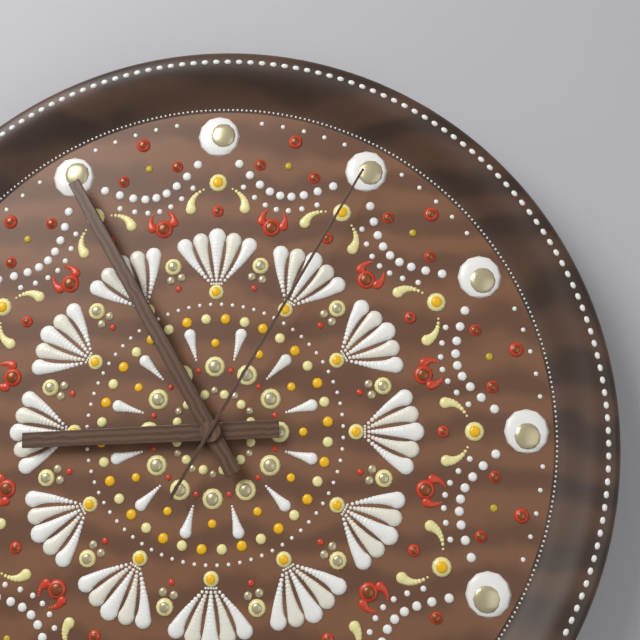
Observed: 8 h 55 min 05 s
